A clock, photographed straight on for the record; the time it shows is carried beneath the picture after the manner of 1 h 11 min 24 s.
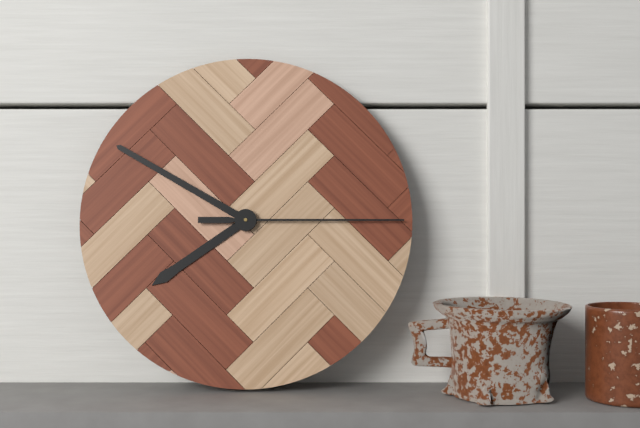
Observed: 7 h 50 min 15 s
